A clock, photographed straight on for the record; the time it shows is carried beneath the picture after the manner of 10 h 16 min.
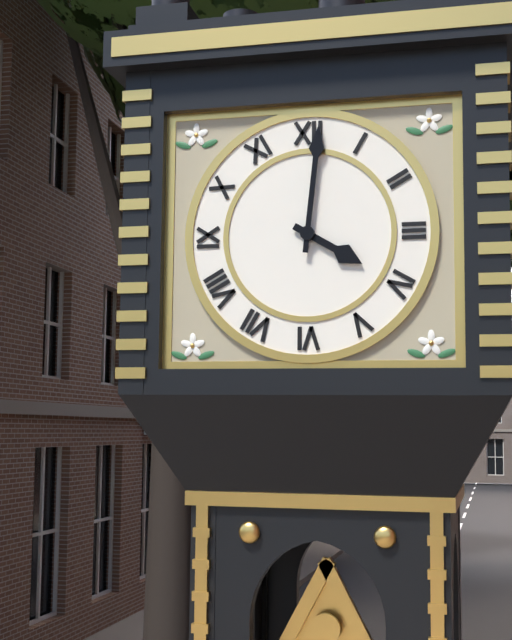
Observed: 4 h 01 min
